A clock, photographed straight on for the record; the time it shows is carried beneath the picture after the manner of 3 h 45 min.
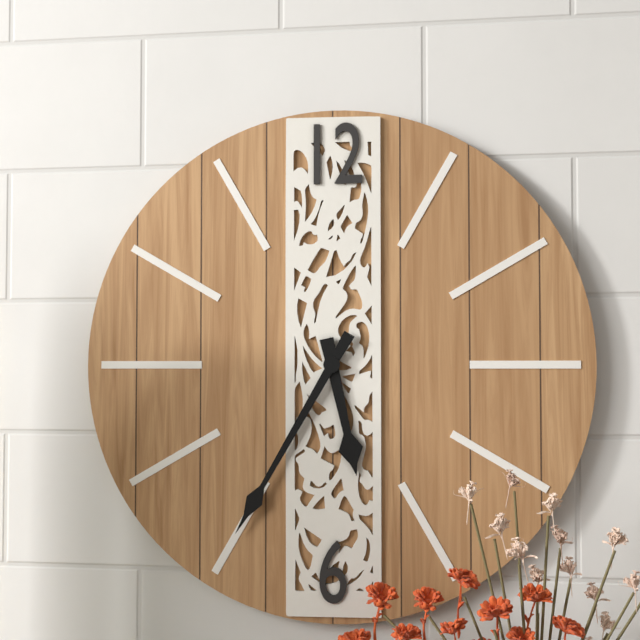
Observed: 5 h 35 min
